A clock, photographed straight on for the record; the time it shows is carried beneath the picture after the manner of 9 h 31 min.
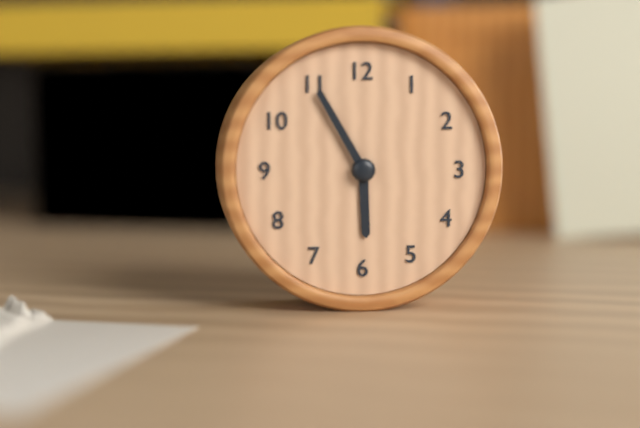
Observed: 5 h 55 min
